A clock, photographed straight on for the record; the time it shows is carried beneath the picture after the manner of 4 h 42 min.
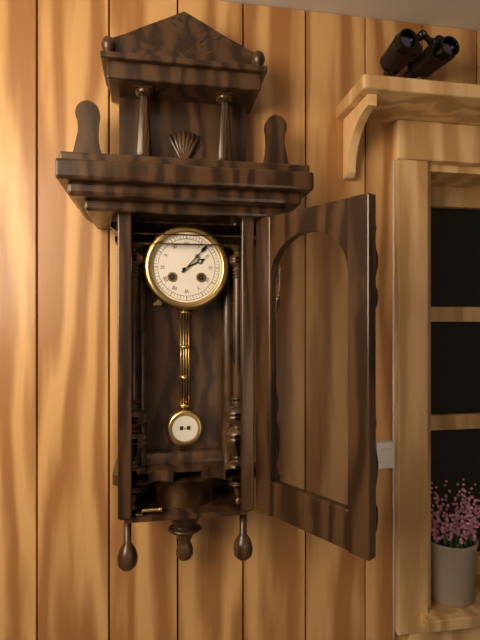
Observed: 2 h 07 min
